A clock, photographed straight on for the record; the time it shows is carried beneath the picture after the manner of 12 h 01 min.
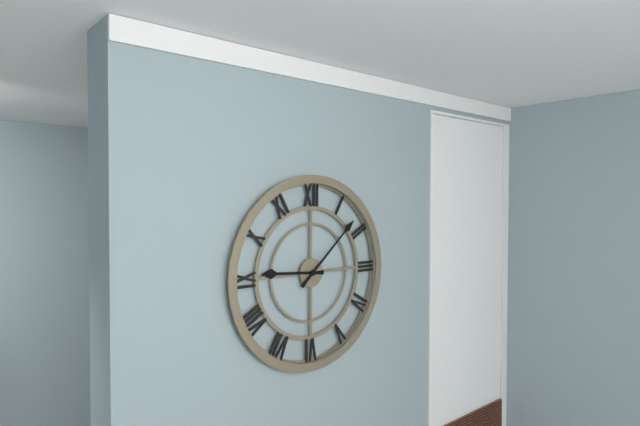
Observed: 9 h 08 min
